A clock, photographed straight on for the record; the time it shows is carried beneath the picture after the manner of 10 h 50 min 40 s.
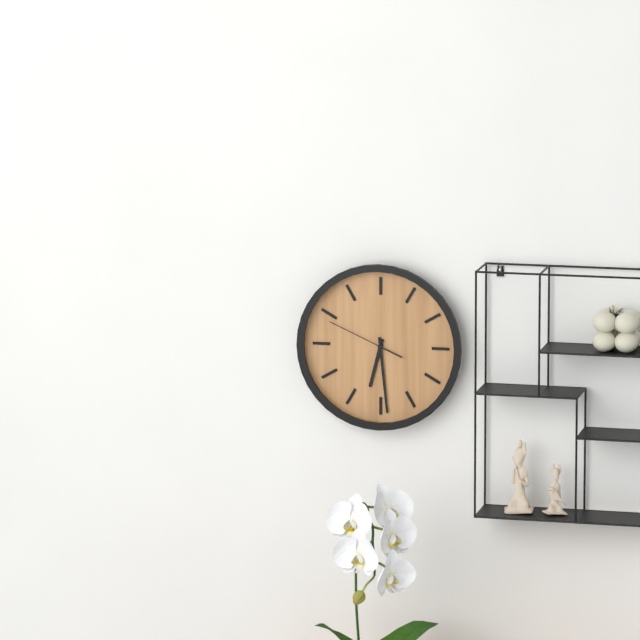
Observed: 6 h 29 min 49 s
